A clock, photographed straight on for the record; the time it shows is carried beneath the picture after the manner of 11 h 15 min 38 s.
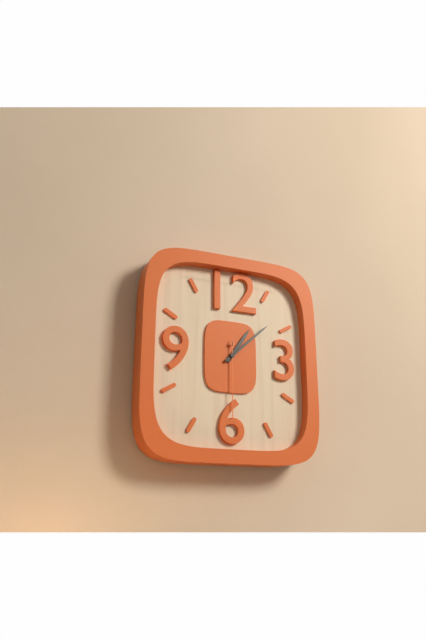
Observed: 1 h 08 min 30 s
